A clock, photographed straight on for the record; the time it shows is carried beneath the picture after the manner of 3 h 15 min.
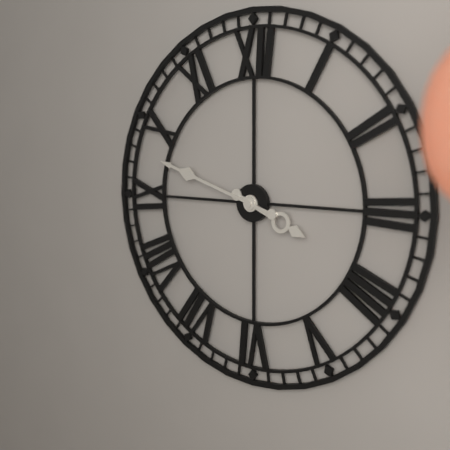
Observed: 3 h 48 min
